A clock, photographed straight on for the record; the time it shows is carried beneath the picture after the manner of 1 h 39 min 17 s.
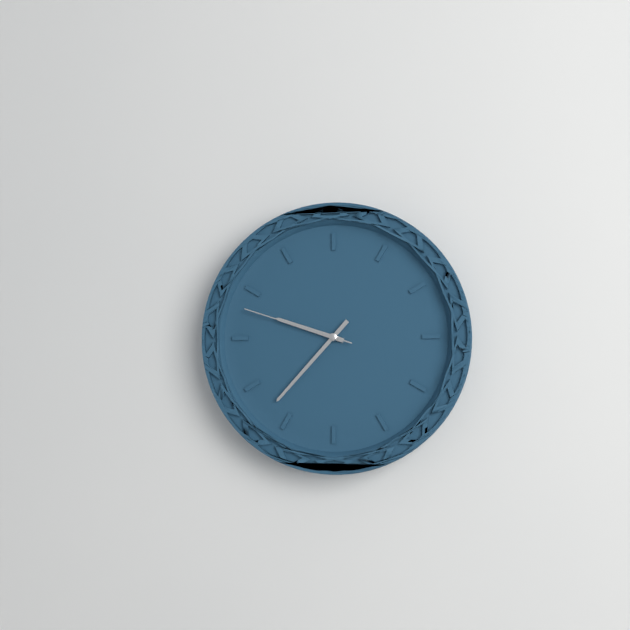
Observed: 9 h 37 min 48 s
